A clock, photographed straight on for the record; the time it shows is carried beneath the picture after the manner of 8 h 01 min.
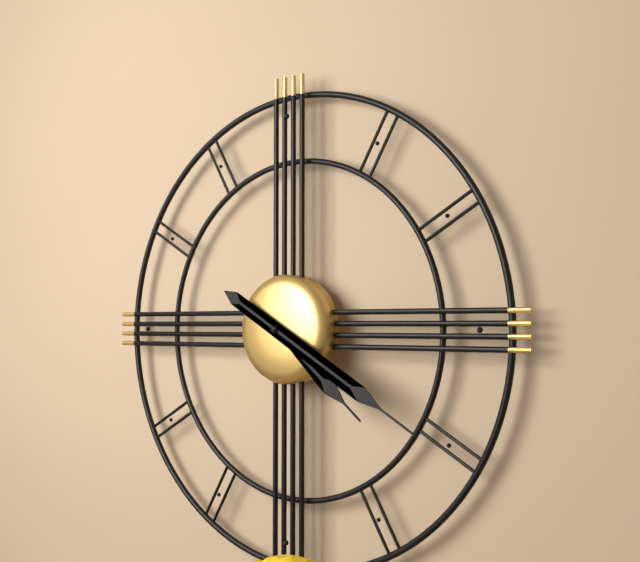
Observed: 4 h 20 min
